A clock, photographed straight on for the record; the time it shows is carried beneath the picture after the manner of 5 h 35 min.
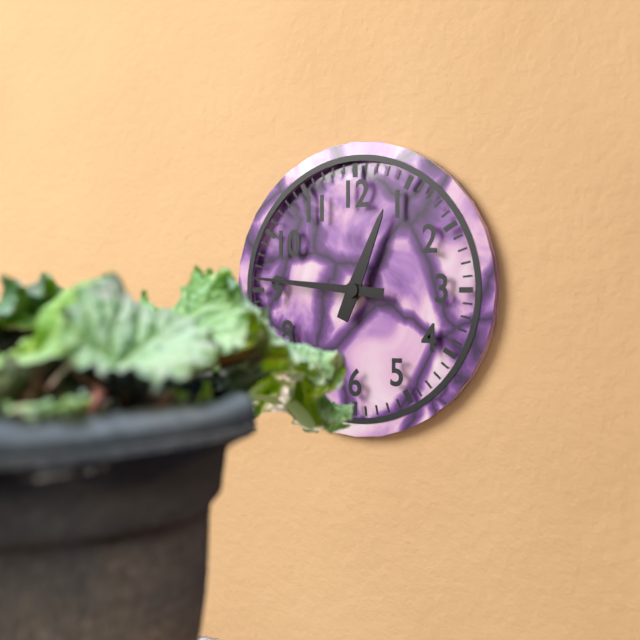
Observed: 12 h 46 min
